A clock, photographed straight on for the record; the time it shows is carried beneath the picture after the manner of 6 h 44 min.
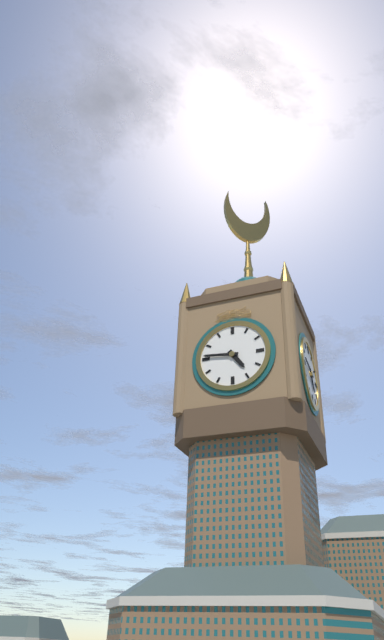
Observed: 4 h 46 min
